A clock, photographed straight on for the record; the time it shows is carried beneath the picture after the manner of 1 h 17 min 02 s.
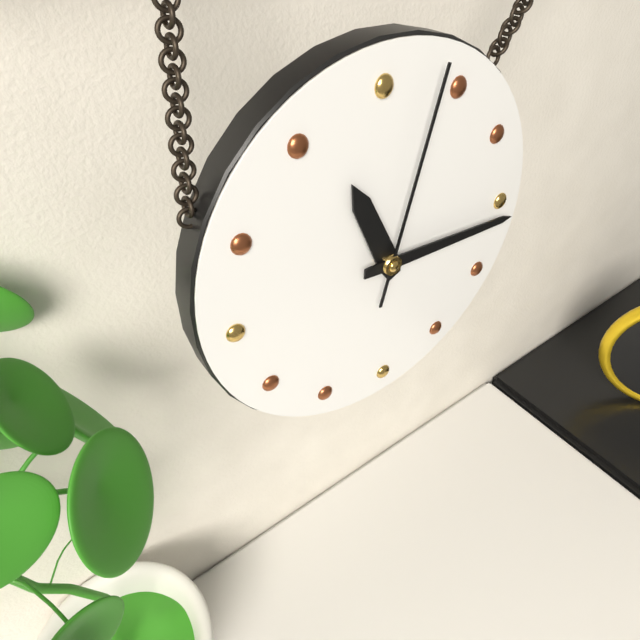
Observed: 11 h 16 min 03 s
